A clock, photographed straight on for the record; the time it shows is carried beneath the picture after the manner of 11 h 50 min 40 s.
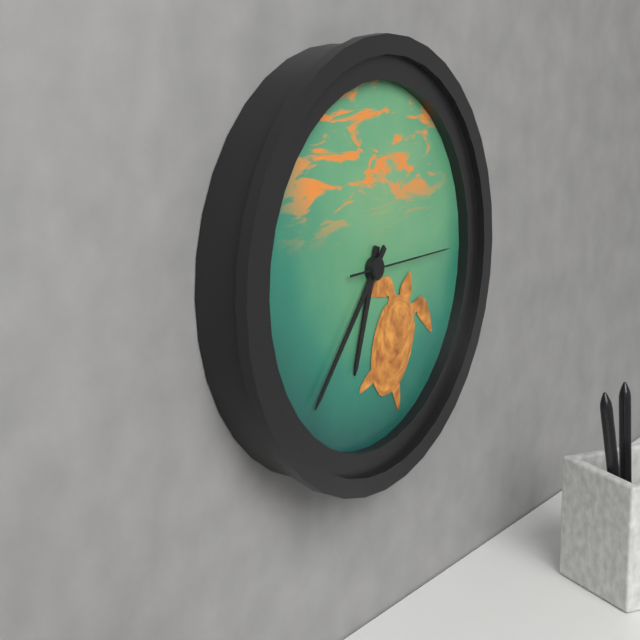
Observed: 6 h 37 min 15 s
